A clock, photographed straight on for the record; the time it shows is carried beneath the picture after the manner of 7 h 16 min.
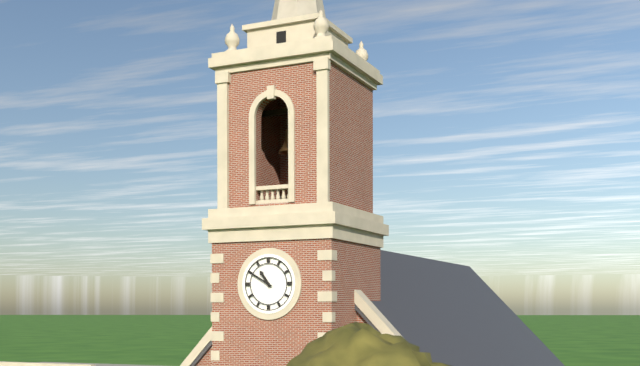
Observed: 10 h 50 min
